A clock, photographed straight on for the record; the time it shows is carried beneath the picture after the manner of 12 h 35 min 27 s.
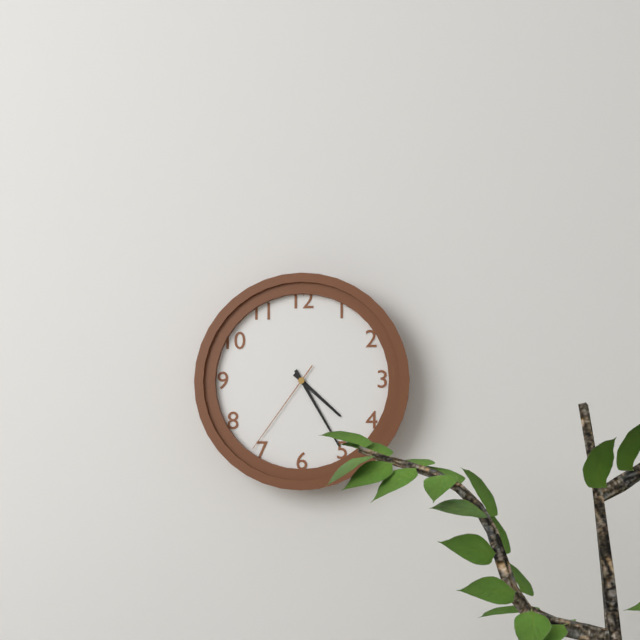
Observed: 4 h 25 min 36 s
